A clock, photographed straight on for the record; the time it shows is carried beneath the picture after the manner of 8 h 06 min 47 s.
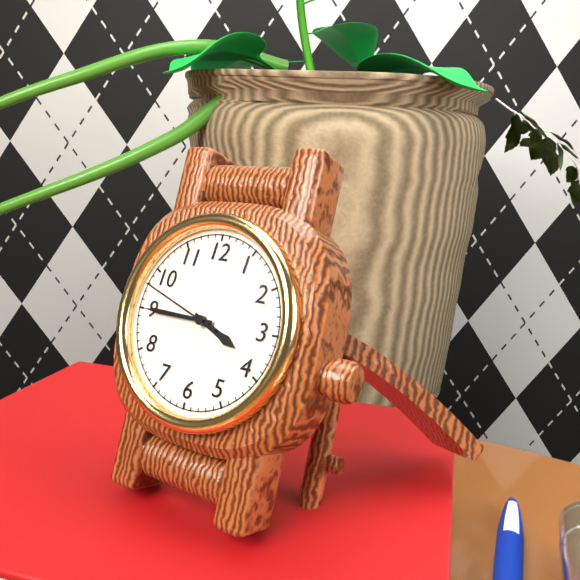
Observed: 3 h 45 min 48 s
